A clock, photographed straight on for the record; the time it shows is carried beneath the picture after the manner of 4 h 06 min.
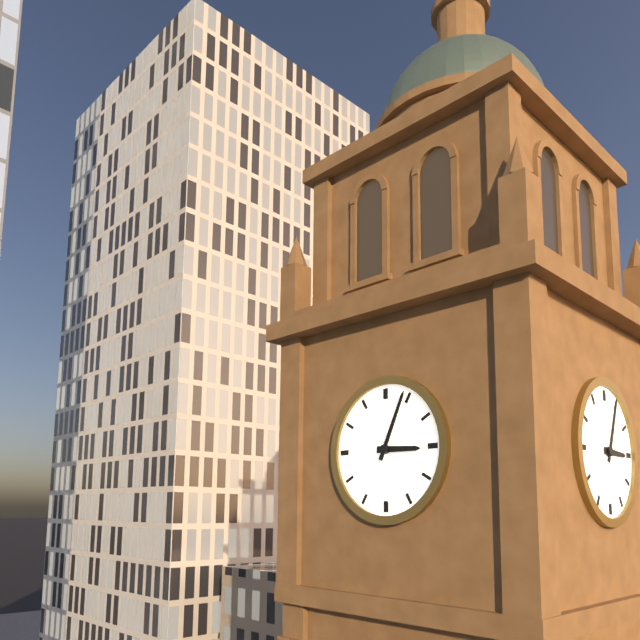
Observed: 3 h 04 min
